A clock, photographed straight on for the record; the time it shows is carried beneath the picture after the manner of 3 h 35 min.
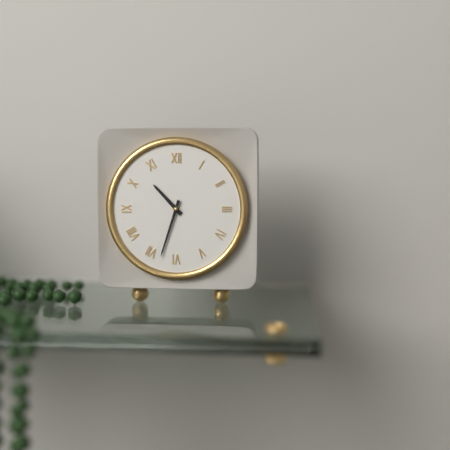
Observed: 10 h 33 min
